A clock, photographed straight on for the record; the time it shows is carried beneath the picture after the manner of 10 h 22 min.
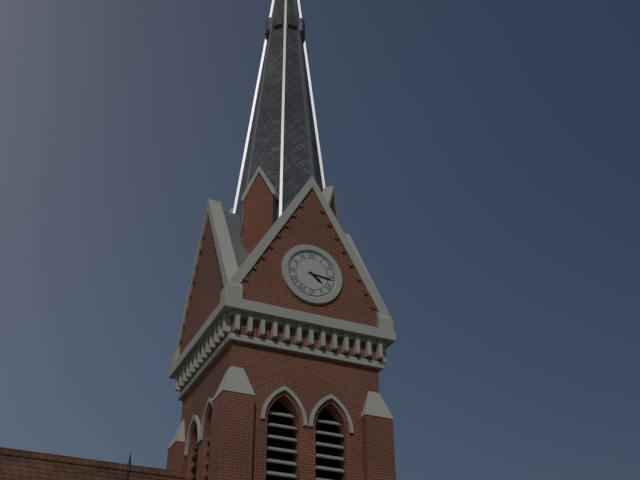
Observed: 4 h 16 min
